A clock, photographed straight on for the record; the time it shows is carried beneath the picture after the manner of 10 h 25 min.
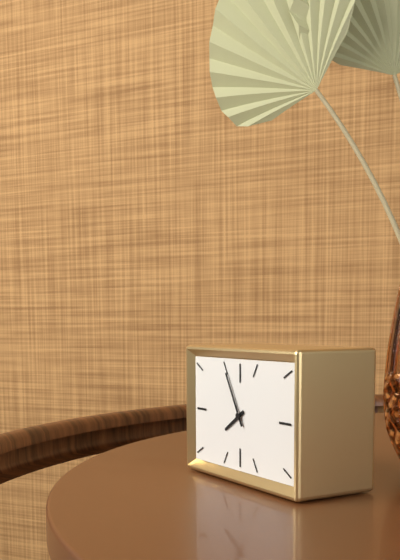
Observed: 7 h 55 min
